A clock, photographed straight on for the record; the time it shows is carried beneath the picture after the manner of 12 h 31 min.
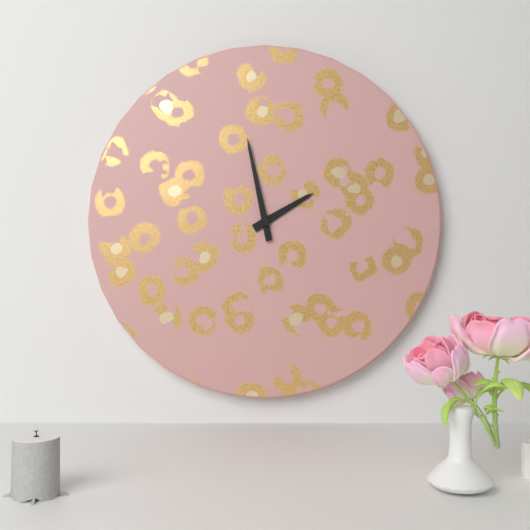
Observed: 1 h 58 min
